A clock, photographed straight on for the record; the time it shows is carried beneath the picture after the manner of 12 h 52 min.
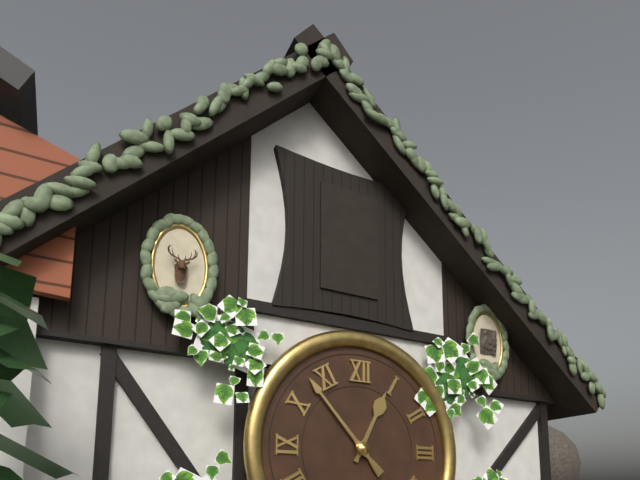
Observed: 12 h 53 min
